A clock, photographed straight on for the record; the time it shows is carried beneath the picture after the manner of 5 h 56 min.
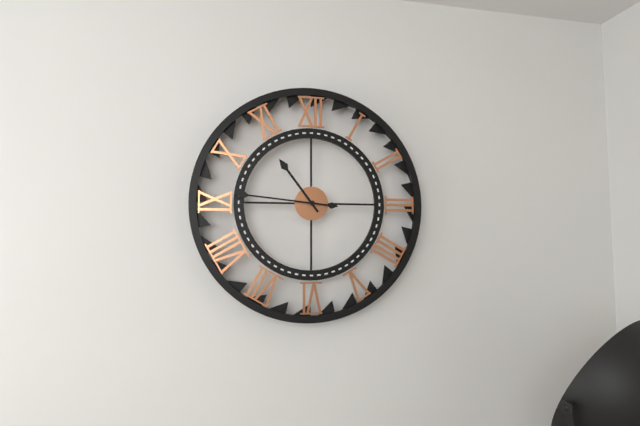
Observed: 10 h 46 min
